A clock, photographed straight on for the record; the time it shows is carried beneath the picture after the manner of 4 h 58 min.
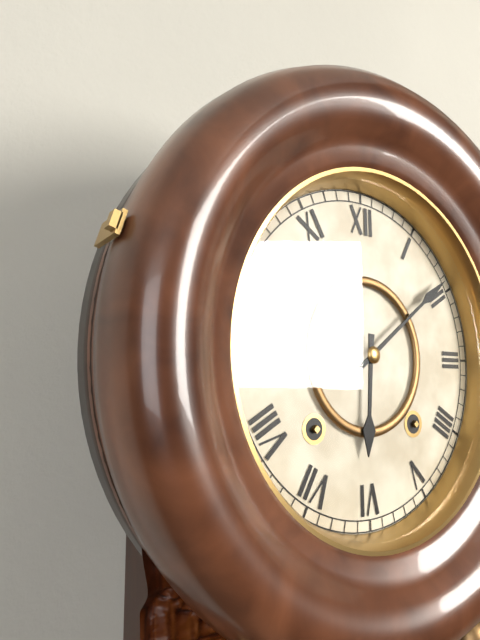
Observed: 6 h 09 min
